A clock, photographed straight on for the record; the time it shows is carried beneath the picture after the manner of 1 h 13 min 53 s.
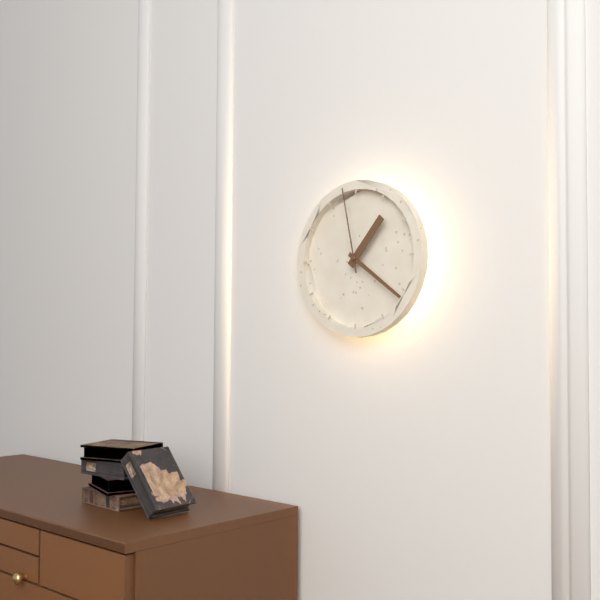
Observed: 1 h 21 min 58 s
